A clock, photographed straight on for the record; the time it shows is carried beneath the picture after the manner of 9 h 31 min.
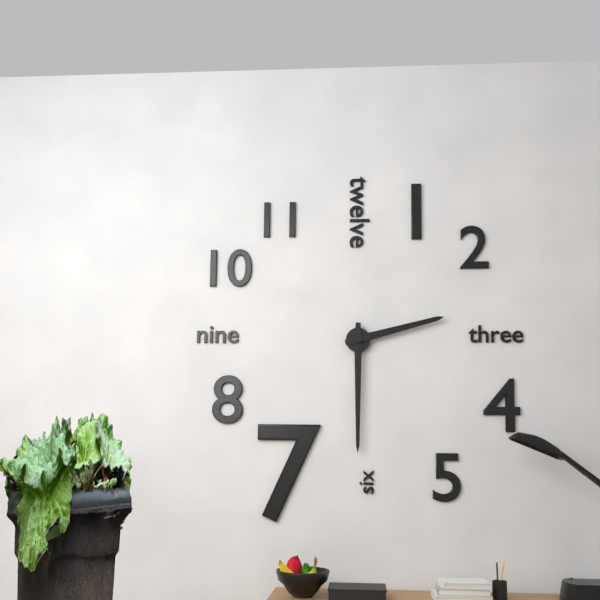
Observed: 2 h 30 min
